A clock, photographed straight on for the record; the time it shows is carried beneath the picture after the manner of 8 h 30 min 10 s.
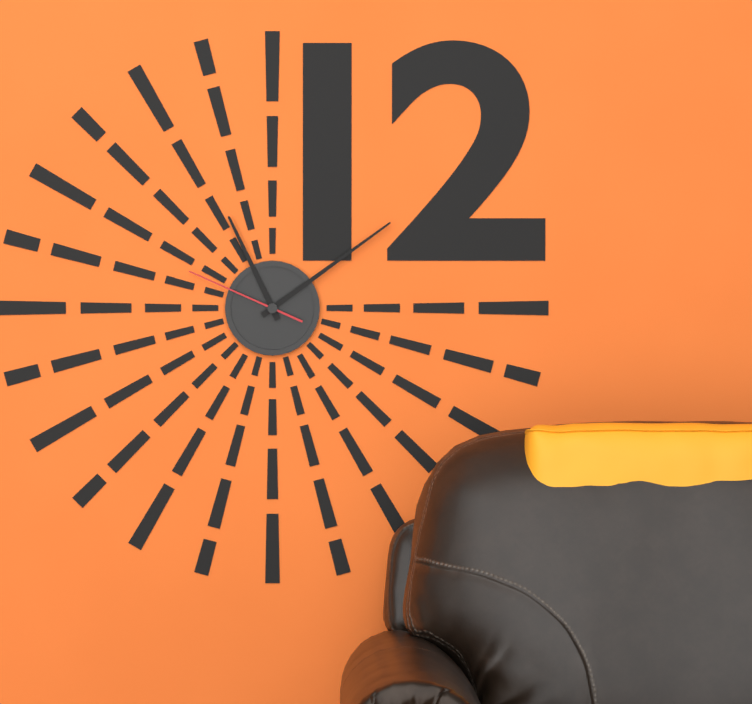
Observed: 11 h 09 min 49 s
